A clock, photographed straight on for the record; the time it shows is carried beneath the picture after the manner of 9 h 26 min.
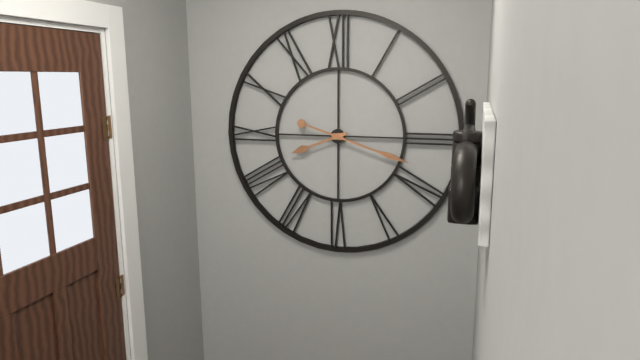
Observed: 8 h 18 min
